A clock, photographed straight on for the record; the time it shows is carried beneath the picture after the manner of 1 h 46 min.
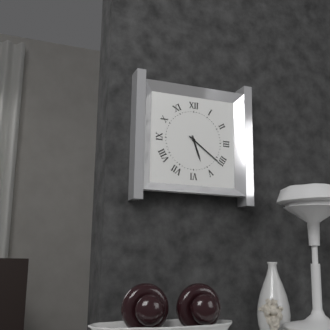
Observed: 5 h 21 min
